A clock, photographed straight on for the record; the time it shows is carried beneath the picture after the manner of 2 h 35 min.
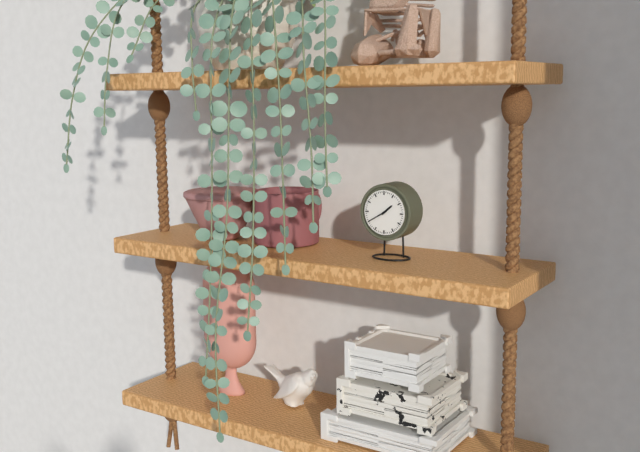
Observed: 1 h 40 min
